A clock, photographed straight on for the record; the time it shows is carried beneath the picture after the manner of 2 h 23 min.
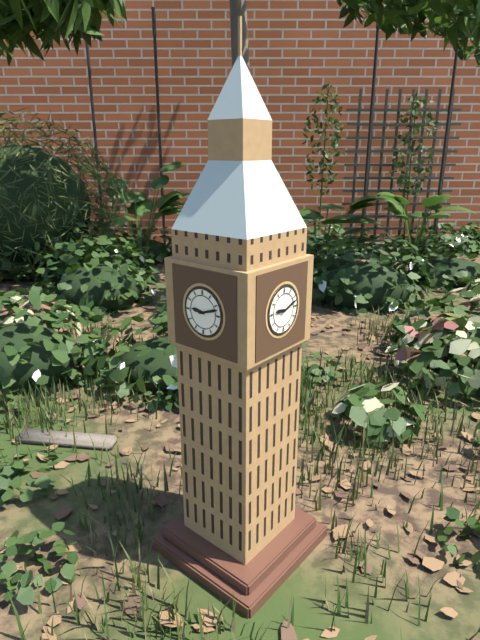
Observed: 9 h 12 min
